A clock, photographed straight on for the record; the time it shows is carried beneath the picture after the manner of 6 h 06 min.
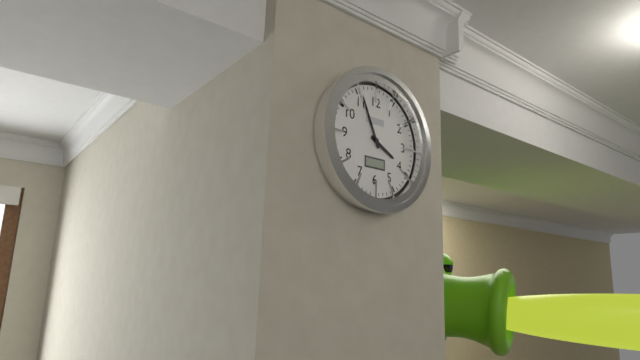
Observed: 3 h 56 min
